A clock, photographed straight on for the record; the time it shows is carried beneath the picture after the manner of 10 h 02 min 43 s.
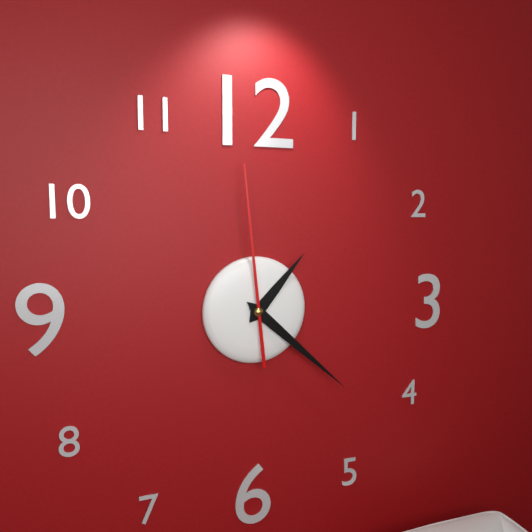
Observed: 1 h 22 min 59 s
